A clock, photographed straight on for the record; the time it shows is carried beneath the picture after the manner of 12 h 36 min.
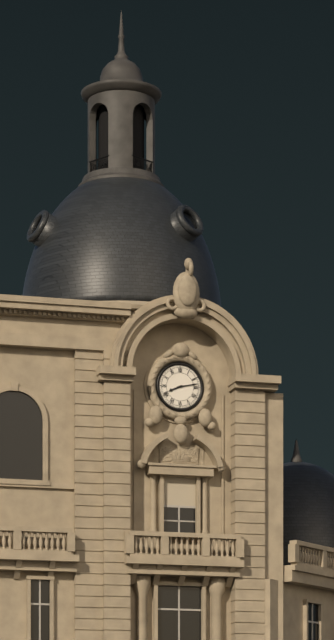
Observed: 8 h 13 min
